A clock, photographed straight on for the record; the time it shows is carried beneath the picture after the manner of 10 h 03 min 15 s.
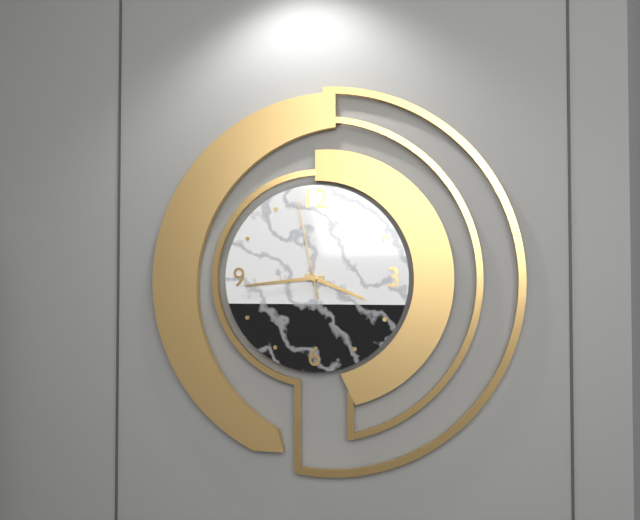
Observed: 3 h 44 min 58 s
